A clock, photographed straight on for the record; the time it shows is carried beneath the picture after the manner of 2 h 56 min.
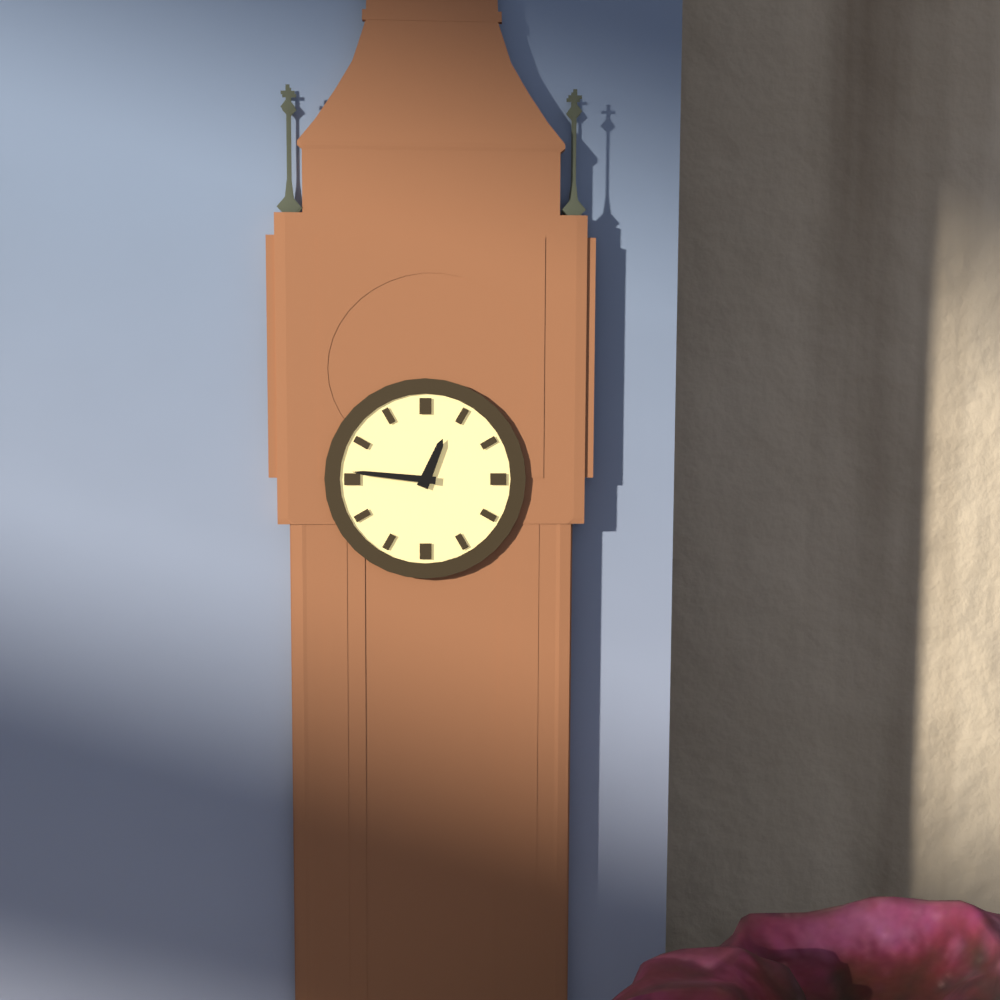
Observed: 12 h 46 min
